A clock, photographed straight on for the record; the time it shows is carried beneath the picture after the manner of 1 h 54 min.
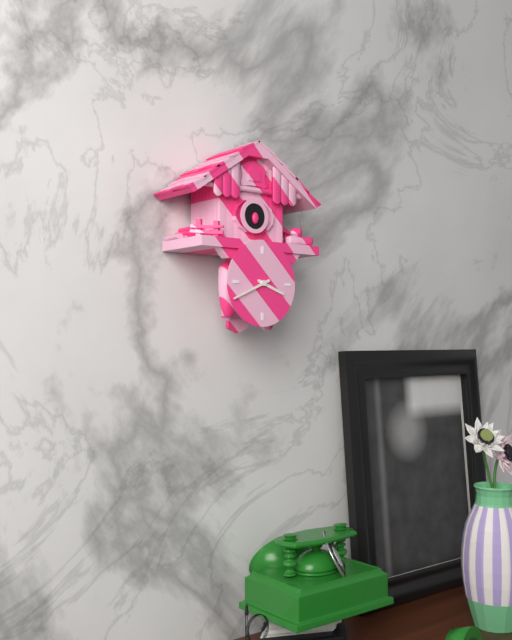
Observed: 3 h 41 min
